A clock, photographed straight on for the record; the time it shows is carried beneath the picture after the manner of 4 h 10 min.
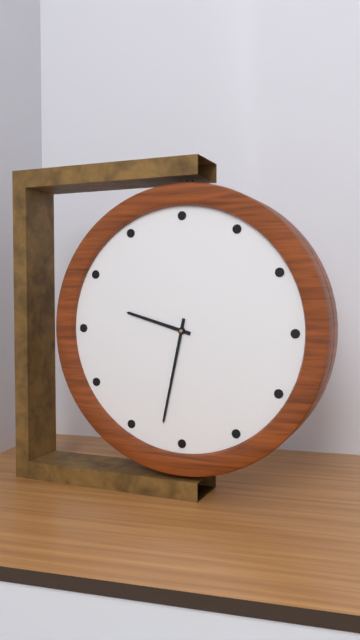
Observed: 9 h 32 min
